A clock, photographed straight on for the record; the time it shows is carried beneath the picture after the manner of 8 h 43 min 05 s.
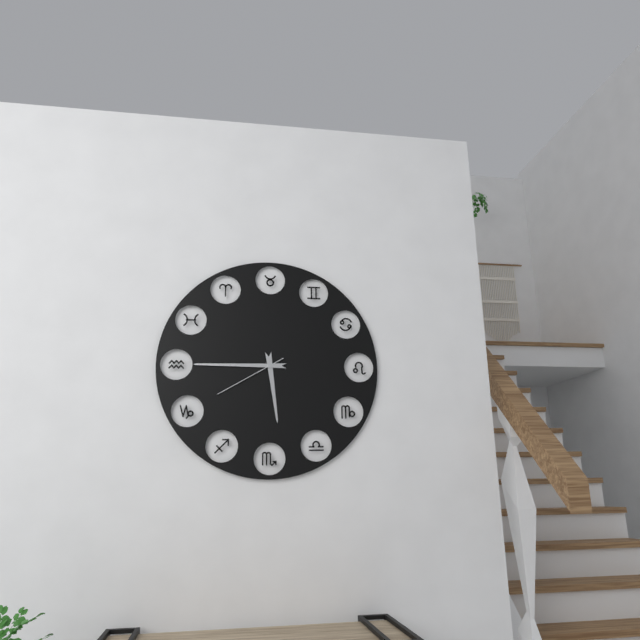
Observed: 5 h 45 min 40 s
